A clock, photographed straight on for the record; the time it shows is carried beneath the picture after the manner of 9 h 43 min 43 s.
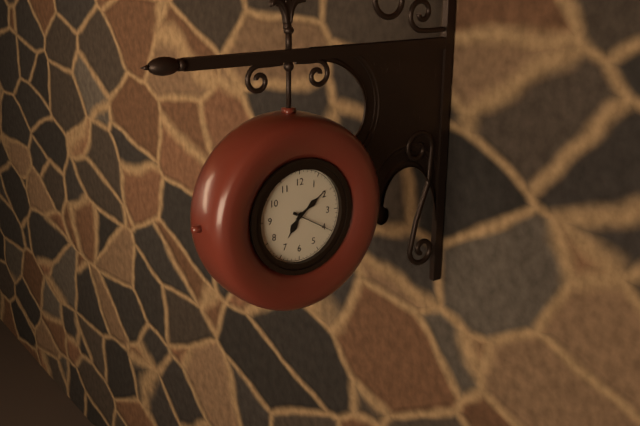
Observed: 7 h 09 min 20 s
